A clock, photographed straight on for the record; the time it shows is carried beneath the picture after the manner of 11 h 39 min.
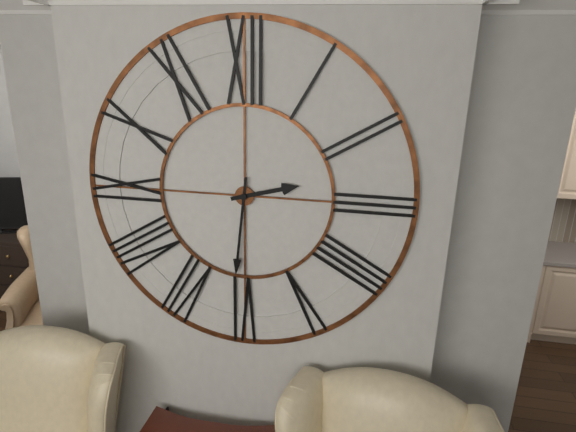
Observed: 2 h 31 min
